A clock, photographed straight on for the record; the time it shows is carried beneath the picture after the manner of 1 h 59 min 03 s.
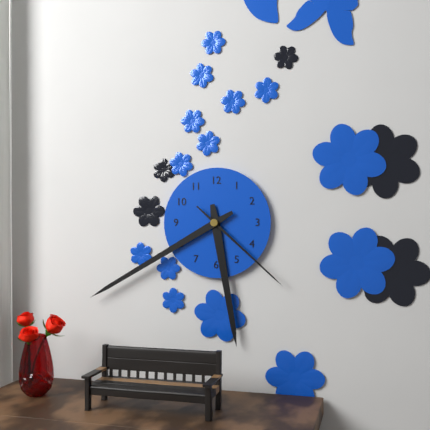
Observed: 5 h 40 min 22 s
